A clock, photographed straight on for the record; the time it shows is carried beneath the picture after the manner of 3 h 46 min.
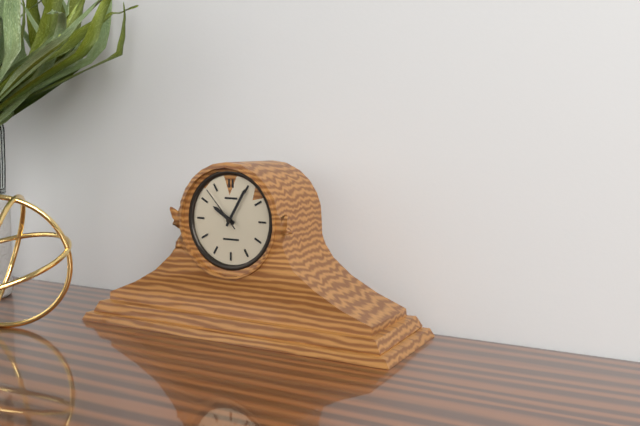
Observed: 10 h 05 min
